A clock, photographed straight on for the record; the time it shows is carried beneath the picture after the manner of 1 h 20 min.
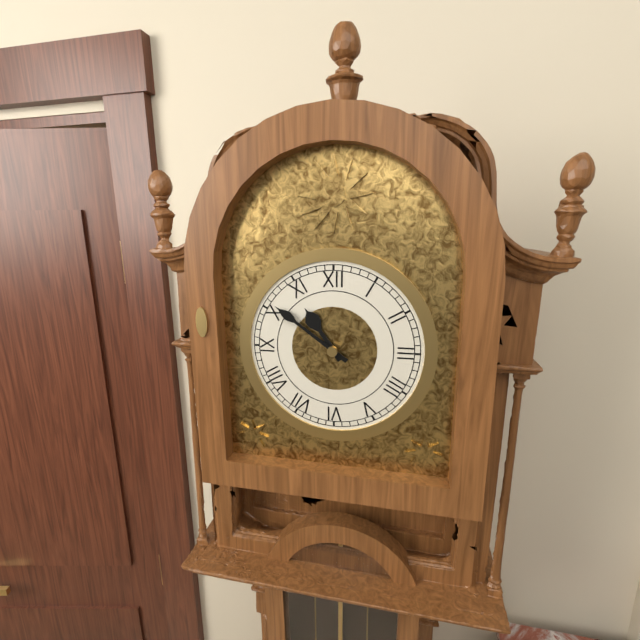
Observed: 10 h 51 min
